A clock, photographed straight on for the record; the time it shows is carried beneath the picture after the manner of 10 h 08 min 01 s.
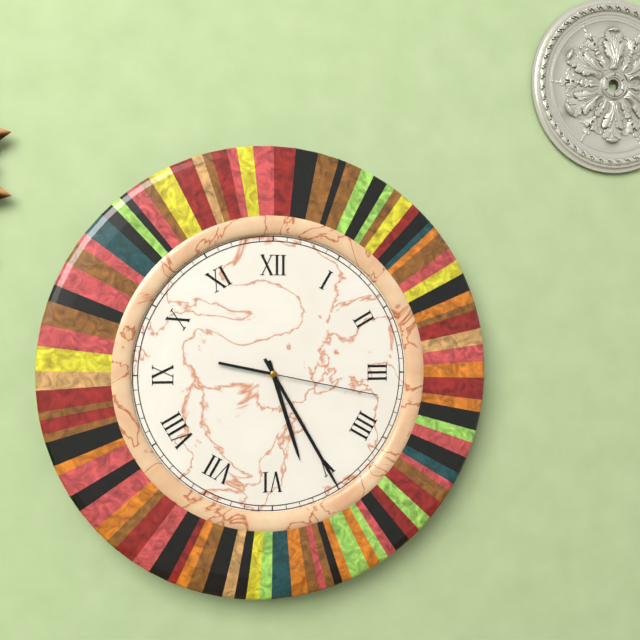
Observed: 5 h 25 min 17 s
